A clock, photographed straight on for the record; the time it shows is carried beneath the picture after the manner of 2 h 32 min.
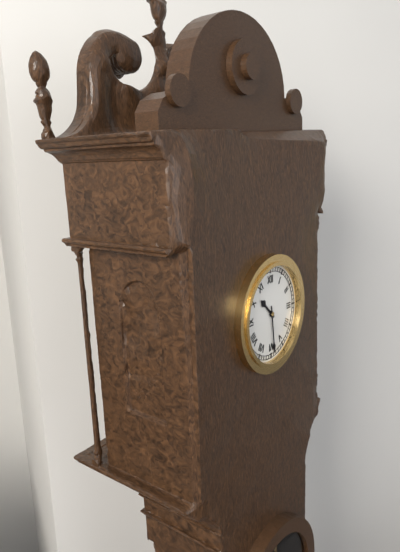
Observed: 10 h 29 min
